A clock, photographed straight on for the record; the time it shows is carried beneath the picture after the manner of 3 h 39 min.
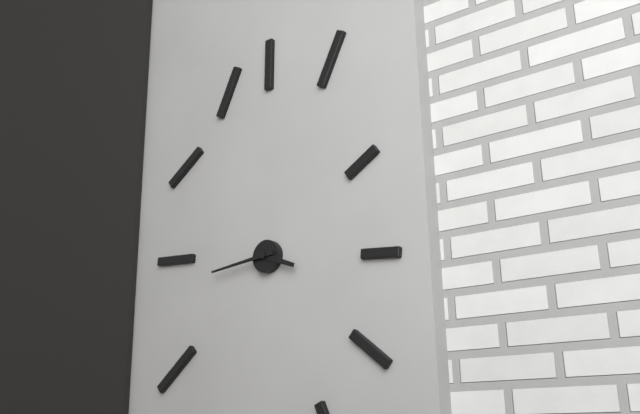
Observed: 3 h 44 min
